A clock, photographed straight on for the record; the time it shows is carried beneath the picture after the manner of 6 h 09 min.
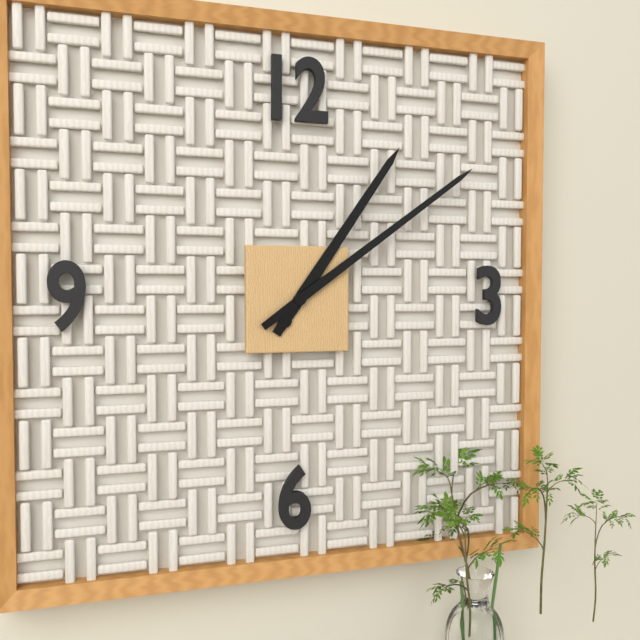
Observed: 1 h 09 min
